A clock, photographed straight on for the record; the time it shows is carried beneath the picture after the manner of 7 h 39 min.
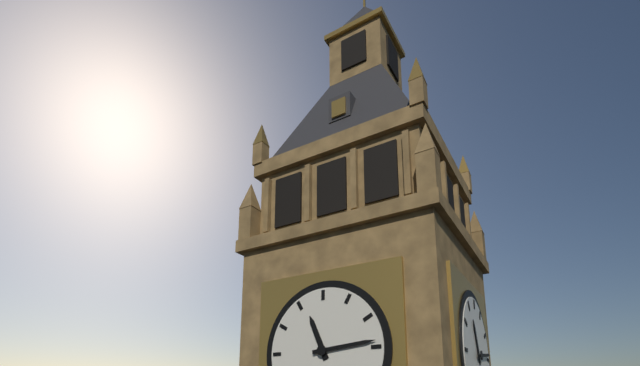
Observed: 11 h 14 min
